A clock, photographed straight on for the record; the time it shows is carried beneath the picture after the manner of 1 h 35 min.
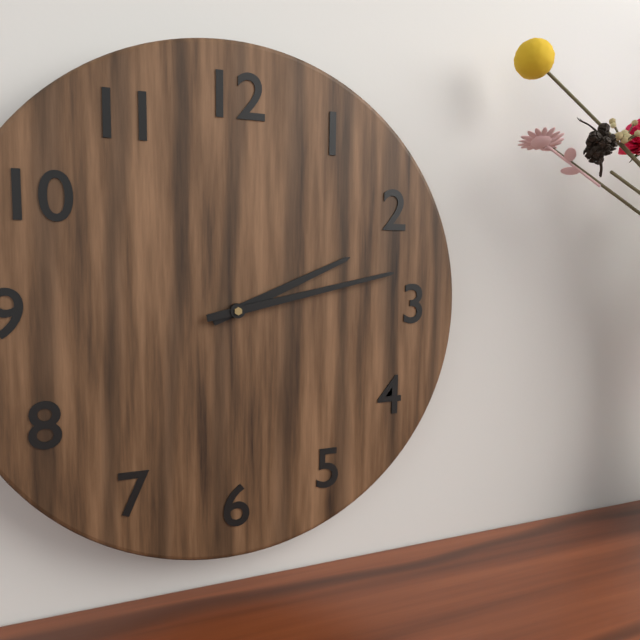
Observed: 2 h 13 min
